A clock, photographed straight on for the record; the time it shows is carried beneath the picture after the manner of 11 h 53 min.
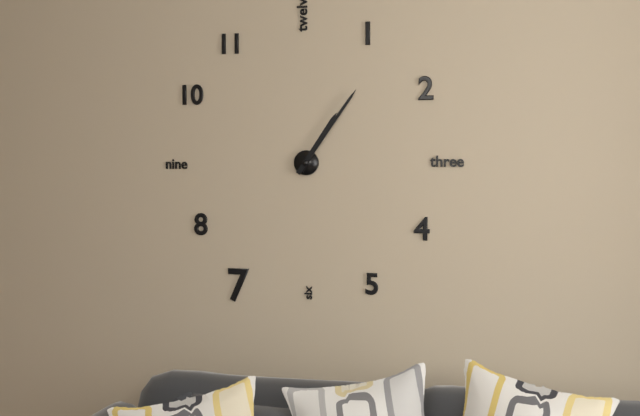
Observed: 1 h 06 min
